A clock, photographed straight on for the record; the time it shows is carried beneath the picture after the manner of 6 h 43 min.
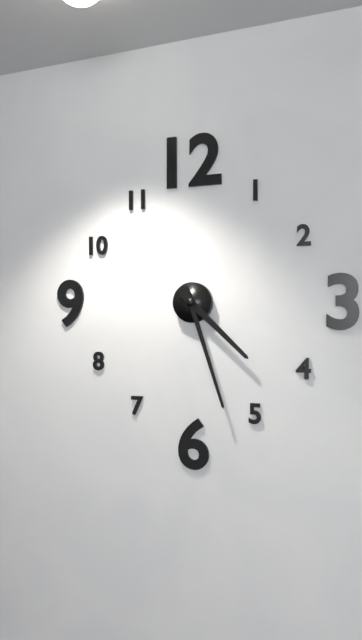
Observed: 4 h 27 min
